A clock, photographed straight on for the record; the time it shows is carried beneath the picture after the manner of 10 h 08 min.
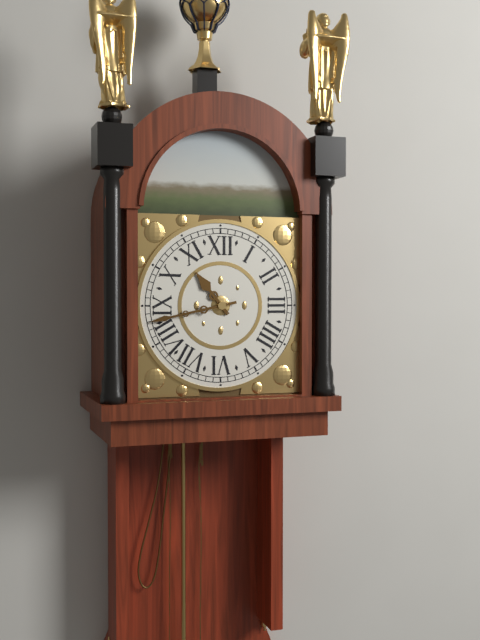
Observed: 10 h 43 min
